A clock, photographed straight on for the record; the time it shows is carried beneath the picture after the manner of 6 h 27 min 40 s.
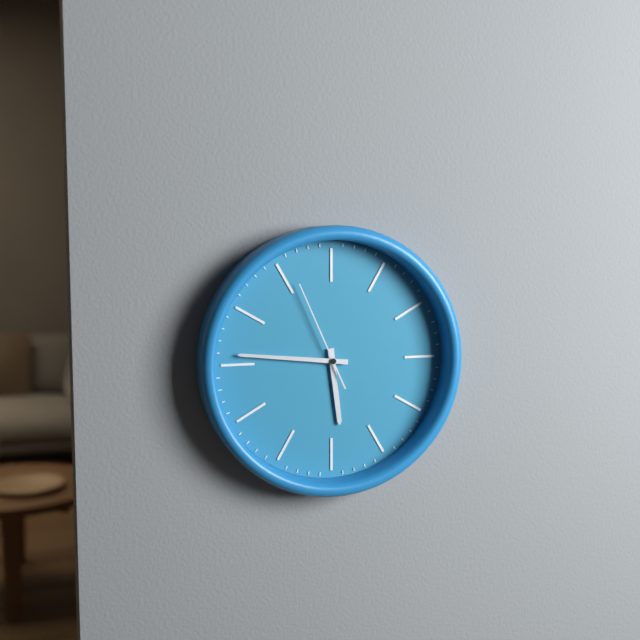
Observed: 5 h 46 min 56 s
